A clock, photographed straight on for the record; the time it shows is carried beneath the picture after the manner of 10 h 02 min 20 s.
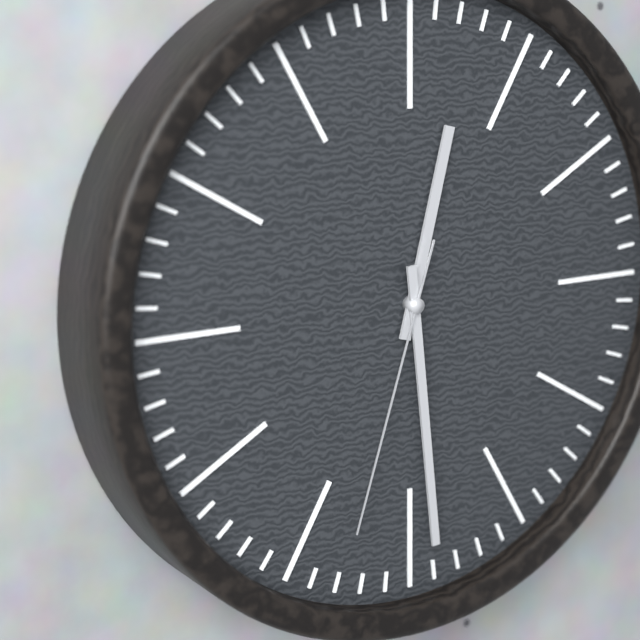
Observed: 12 h 29 min 33 s
